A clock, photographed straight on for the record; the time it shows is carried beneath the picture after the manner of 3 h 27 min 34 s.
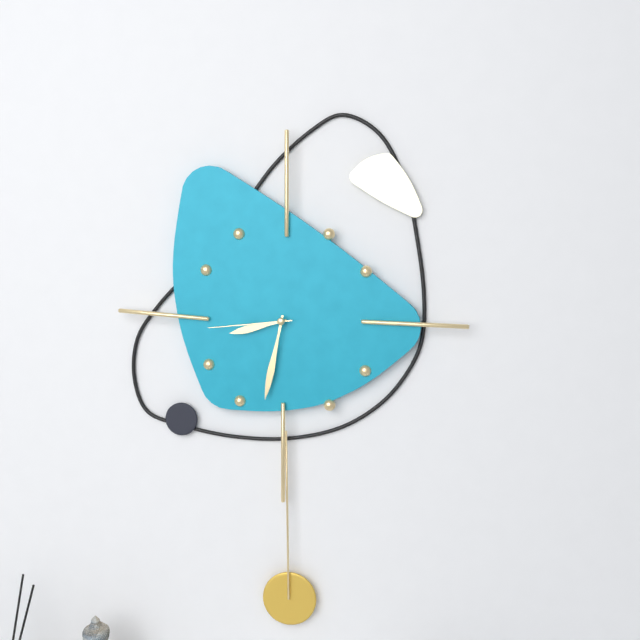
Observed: 8 h 32 min 44 s
